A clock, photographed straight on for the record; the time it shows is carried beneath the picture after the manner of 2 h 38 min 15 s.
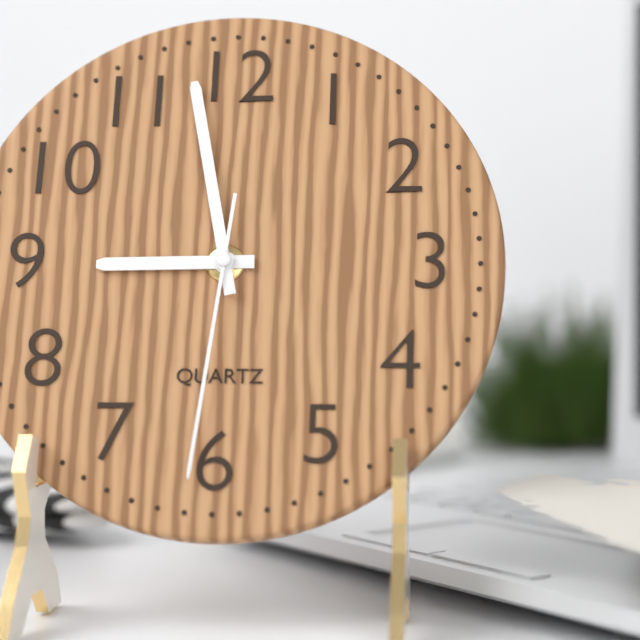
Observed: 8 h 58 min 31 s
